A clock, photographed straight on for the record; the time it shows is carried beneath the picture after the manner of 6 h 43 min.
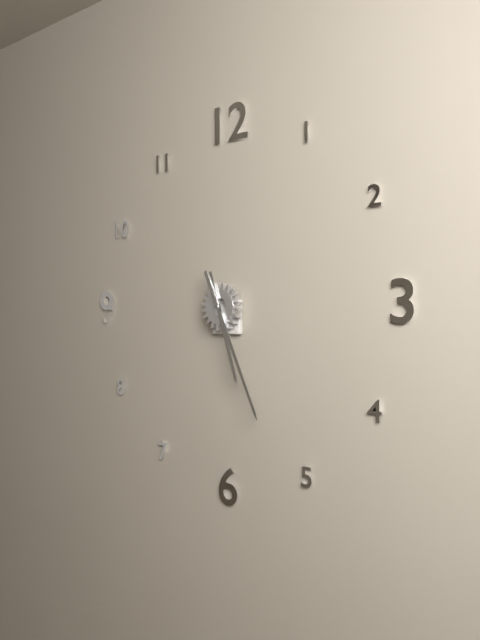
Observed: 5 h 26 min
